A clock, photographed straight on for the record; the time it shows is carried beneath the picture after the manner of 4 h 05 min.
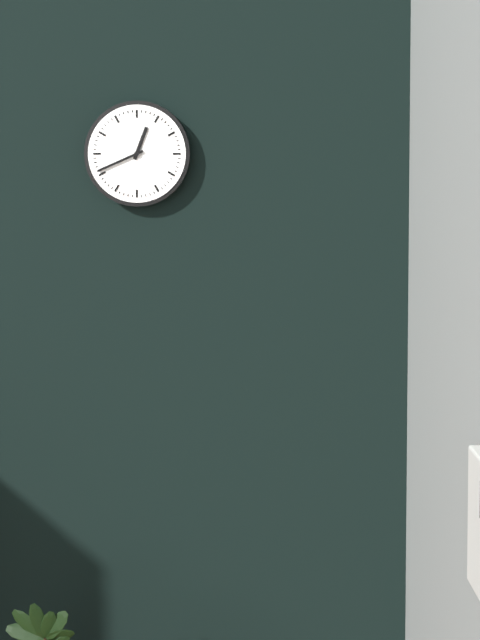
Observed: 12 h 41 min
